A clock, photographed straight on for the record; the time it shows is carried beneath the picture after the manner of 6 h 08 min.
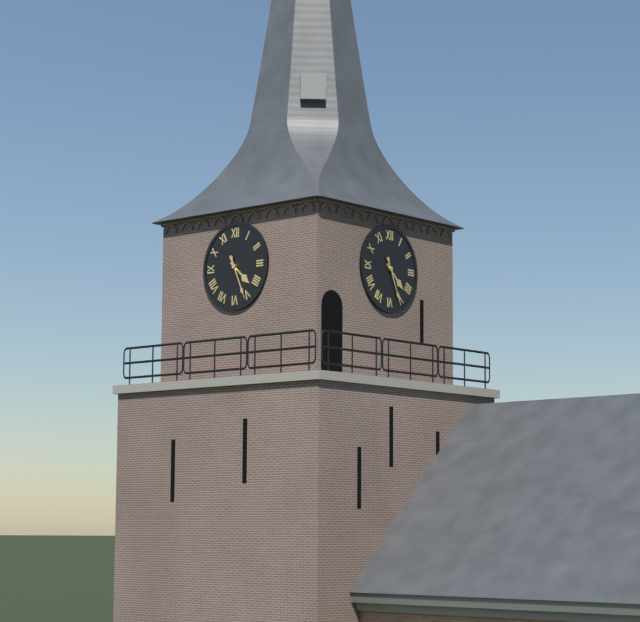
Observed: 4 h 26 min
